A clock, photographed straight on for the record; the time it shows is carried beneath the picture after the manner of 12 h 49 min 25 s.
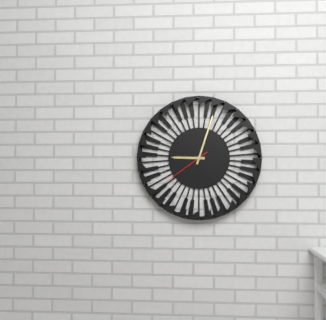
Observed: 9 h 03 min 39 s
